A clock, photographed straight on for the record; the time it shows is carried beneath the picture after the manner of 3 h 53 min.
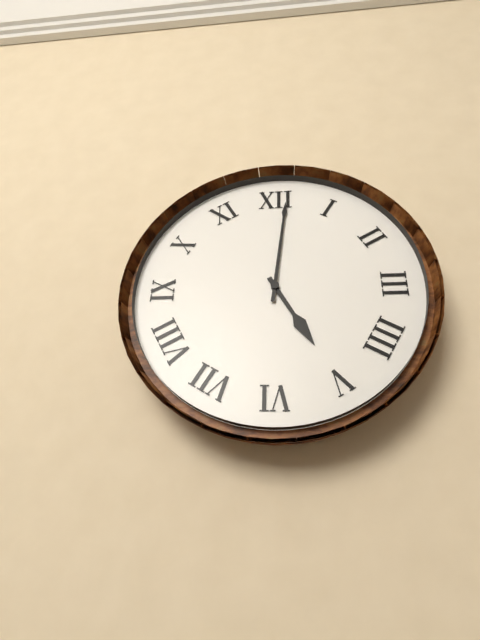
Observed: 5 h 01 min
